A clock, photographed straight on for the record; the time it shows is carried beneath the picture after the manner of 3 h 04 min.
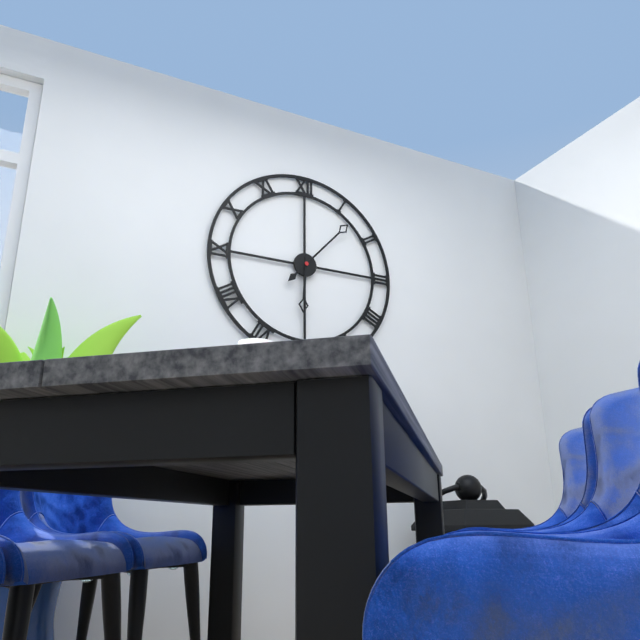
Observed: 6 h 07 min
